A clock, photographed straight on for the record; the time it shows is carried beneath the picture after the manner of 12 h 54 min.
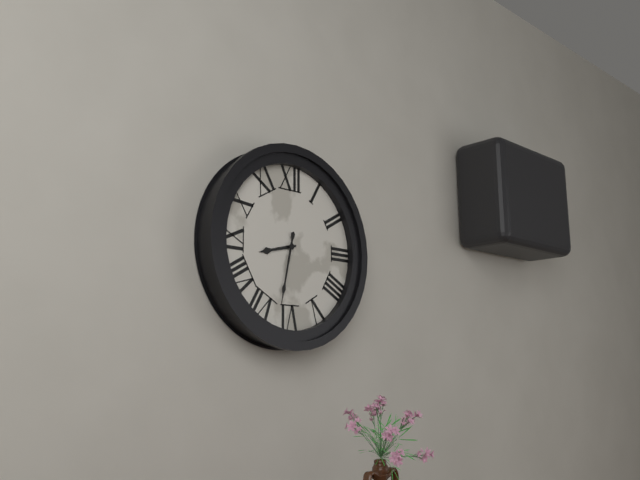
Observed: 8 h 32 min
